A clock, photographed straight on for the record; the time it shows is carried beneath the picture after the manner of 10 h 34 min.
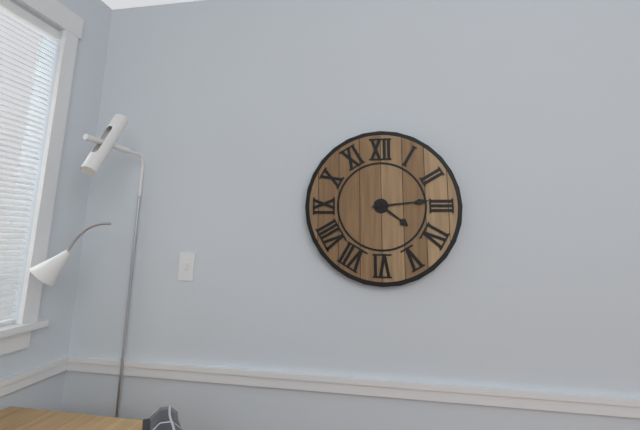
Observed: 4 h 14 min
